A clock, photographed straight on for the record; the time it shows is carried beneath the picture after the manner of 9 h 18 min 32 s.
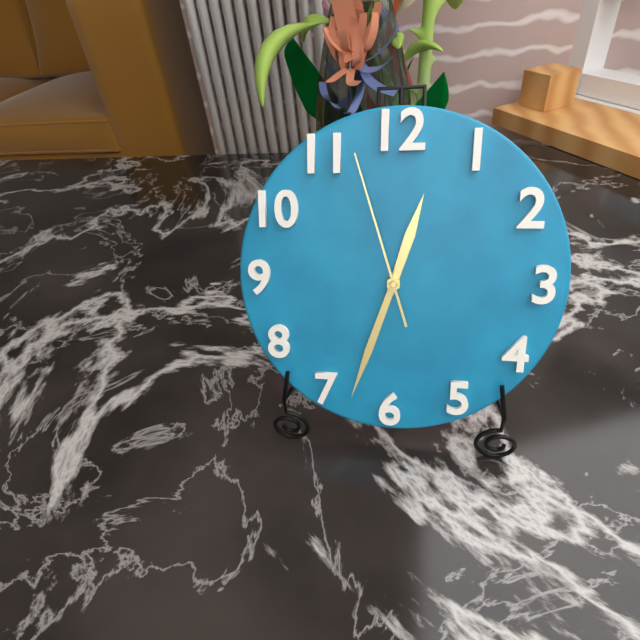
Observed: 12 h 33 min 57 s
